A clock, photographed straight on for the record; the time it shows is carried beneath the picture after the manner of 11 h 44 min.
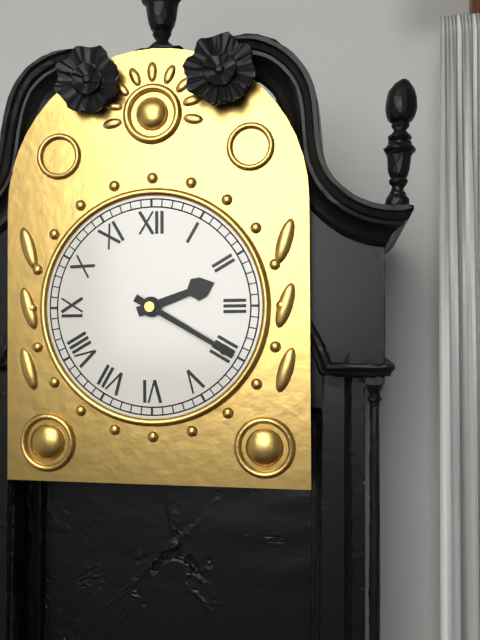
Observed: 2 h 20 min
